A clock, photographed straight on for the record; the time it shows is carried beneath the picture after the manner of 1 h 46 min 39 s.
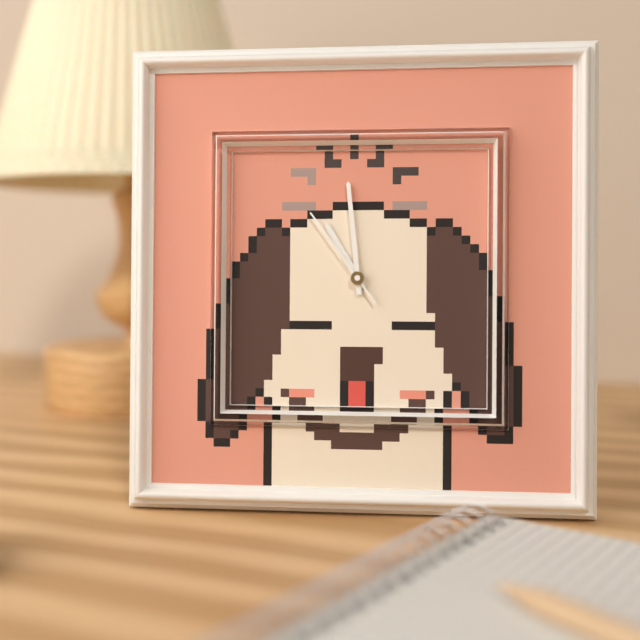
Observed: 10 h 59 min 54 s
